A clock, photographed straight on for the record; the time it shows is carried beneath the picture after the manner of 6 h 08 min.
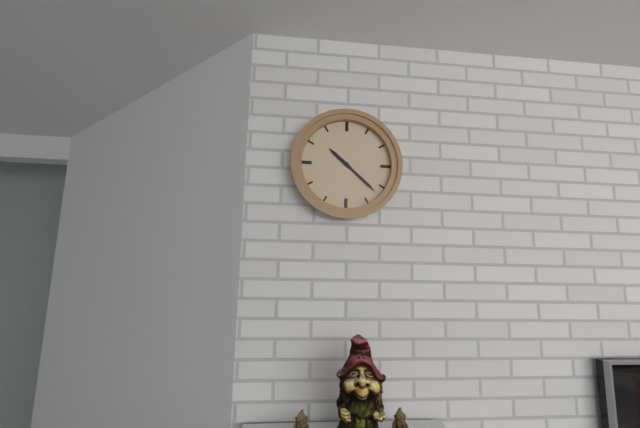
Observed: 10 h 22 min
